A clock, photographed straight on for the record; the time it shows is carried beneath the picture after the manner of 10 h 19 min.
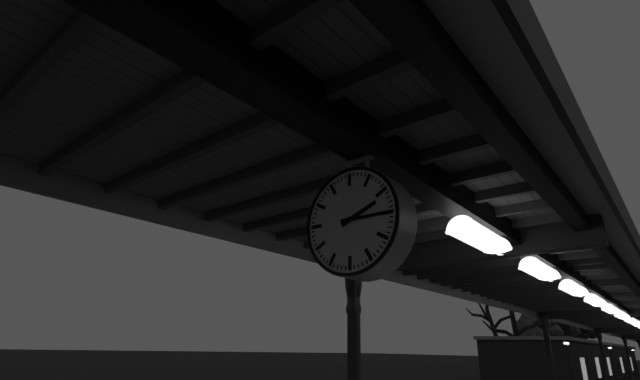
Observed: 2 h 15 min
